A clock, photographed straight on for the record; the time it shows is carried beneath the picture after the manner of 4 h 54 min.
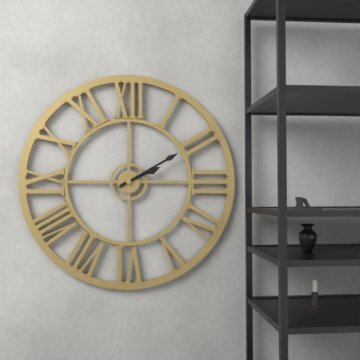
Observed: 2 h 10 min
